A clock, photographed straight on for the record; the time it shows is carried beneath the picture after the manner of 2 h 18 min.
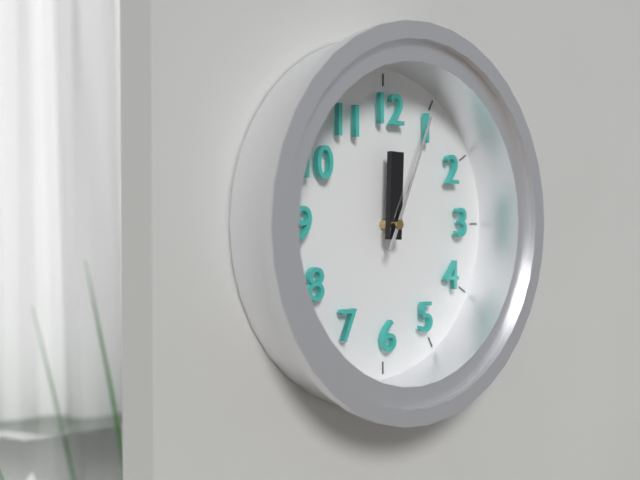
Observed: 12 h 04 min
